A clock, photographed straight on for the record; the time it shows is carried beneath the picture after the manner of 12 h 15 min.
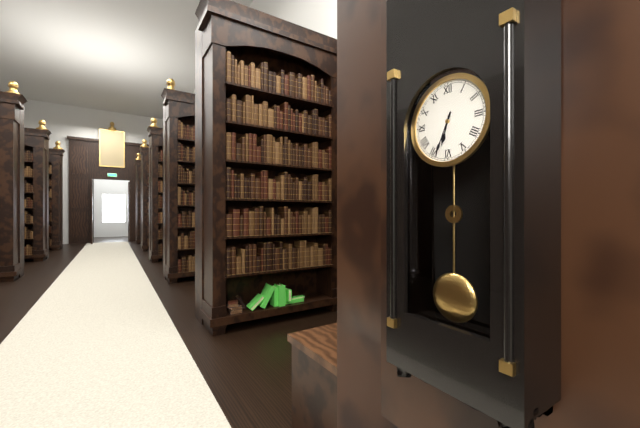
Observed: 6 h 34 min
